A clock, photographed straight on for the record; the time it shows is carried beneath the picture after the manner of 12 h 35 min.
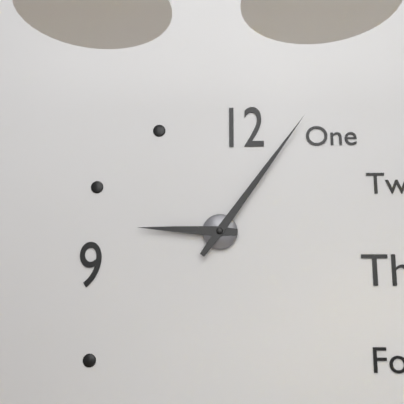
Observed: 9 h 06 min
